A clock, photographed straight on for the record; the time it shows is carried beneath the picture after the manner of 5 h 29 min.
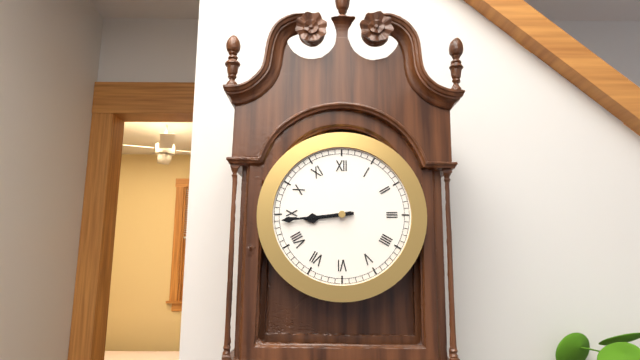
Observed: 8 h 44 min
